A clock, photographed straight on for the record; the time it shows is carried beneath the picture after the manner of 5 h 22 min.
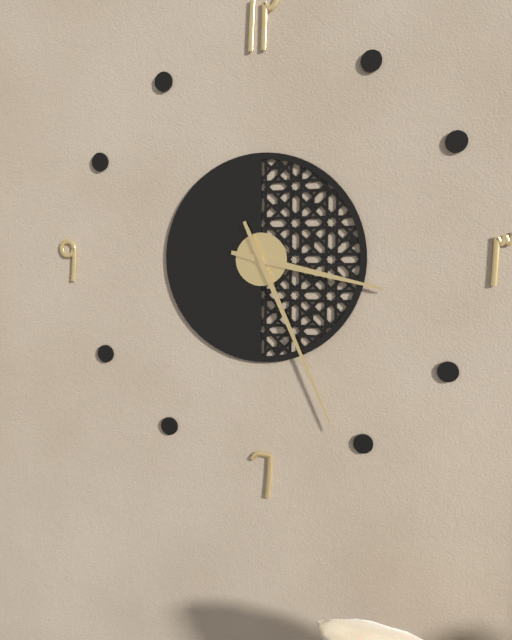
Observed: 3 h 26 min
